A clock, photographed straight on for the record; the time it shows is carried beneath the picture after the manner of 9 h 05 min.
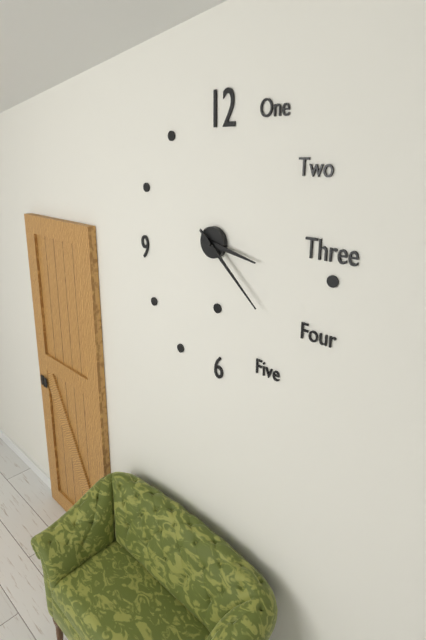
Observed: 3 h 22 min
